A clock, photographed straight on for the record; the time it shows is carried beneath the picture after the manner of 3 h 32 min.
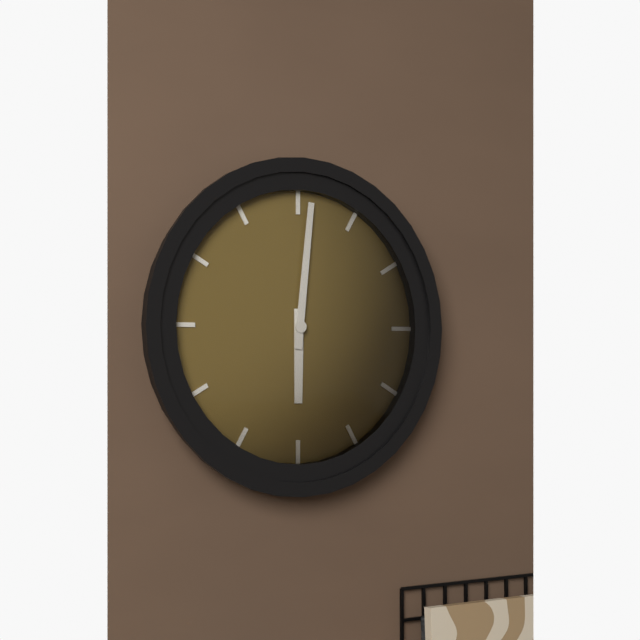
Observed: 6 h 01 min
